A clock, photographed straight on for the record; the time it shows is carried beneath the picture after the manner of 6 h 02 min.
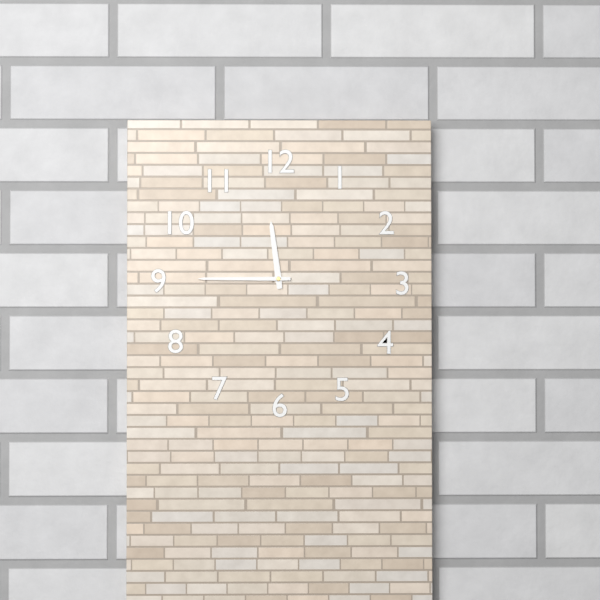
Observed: 11 h 45 min
